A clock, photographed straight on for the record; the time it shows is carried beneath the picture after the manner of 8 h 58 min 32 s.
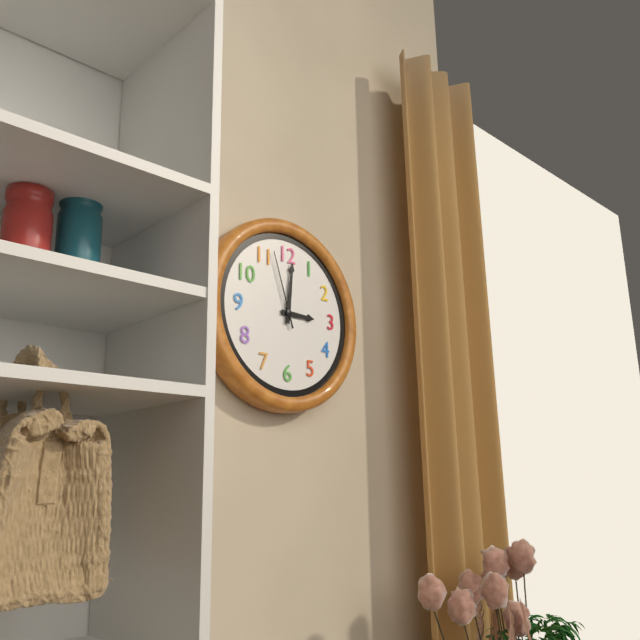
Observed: 3 h 01 min 57 s
